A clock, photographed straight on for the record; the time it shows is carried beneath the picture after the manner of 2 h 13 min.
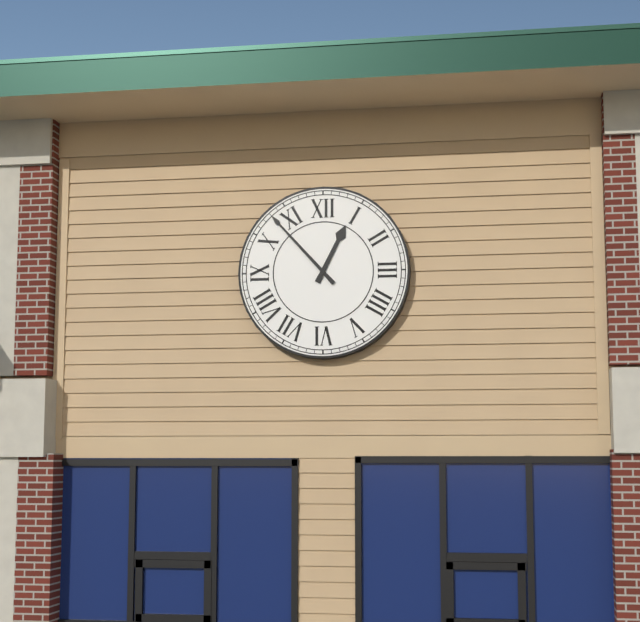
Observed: 12 h 53 min
